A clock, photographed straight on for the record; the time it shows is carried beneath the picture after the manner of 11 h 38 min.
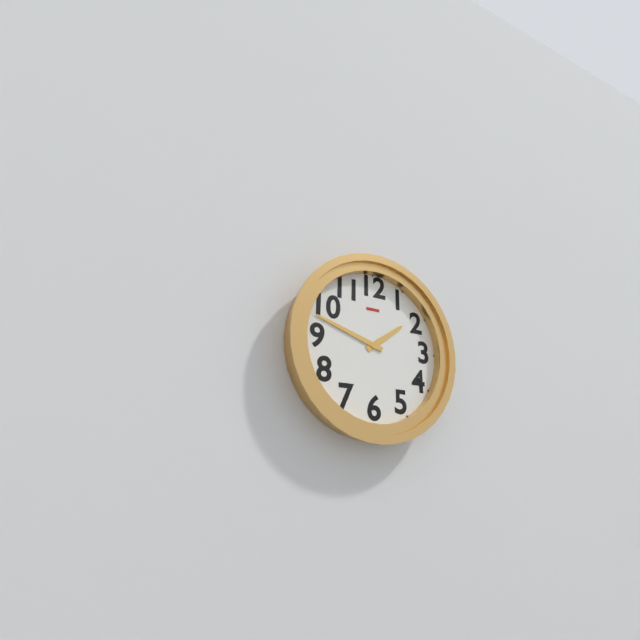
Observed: 1 h 48 min
